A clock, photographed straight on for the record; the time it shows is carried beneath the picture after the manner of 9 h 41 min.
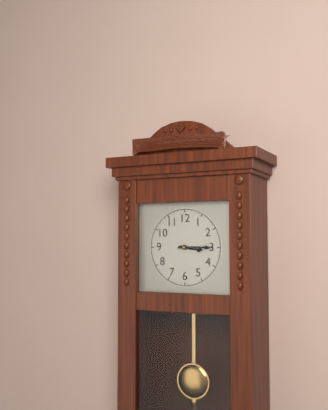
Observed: 3 h 15 min
